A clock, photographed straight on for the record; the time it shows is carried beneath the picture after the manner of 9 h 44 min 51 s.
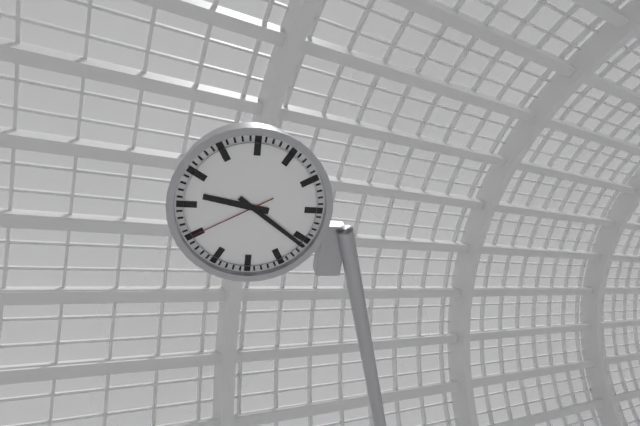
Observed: 9 h 21 min 40 s
